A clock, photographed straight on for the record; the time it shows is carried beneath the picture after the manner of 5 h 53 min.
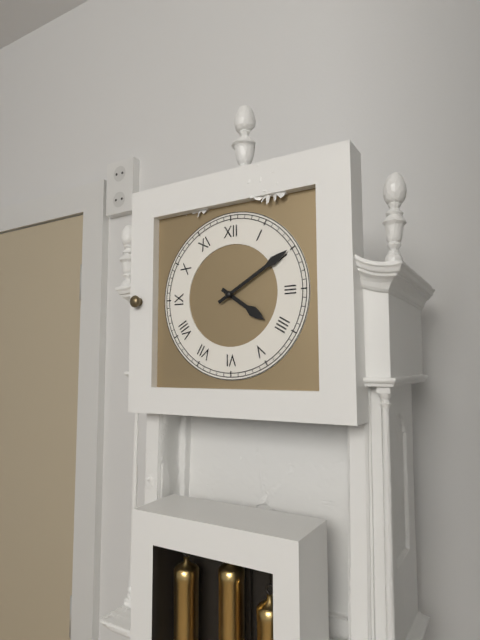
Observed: 4 h 10 min
